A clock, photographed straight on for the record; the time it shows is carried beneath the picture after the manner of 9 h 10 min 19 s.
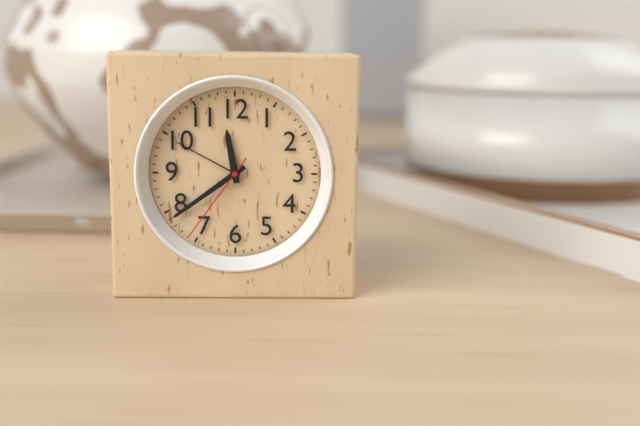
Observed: 11 h 39 min 36 s
